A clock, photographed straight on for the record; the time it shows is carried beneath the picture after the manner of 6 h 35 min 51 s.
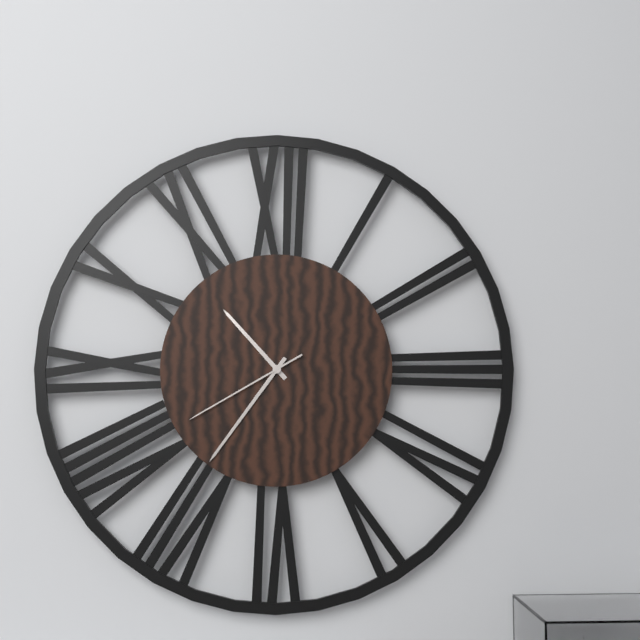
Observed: 10 h 36 min 40 s
